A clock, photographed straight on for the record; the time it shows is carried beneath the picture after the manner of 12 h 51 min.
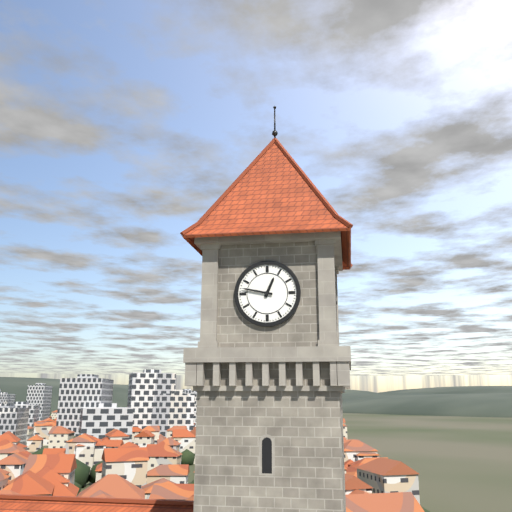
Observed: 12 h 47 min
